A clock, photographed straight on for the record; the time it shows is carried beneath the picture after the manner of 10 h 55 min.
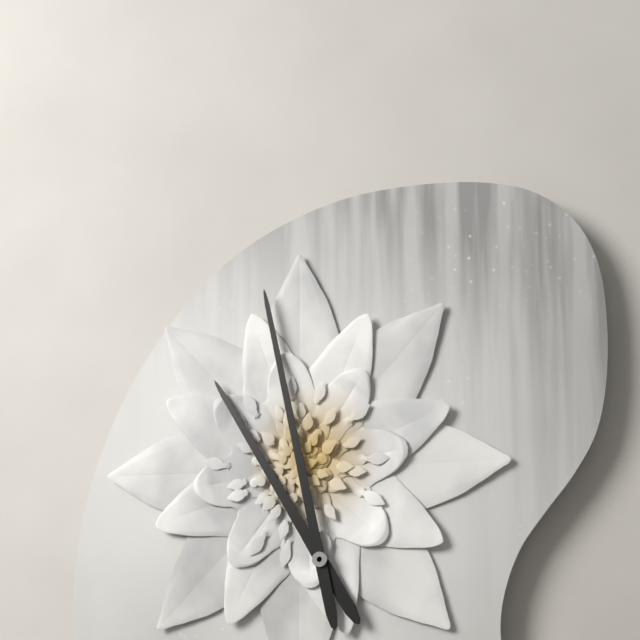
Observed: 10 h 58 min
